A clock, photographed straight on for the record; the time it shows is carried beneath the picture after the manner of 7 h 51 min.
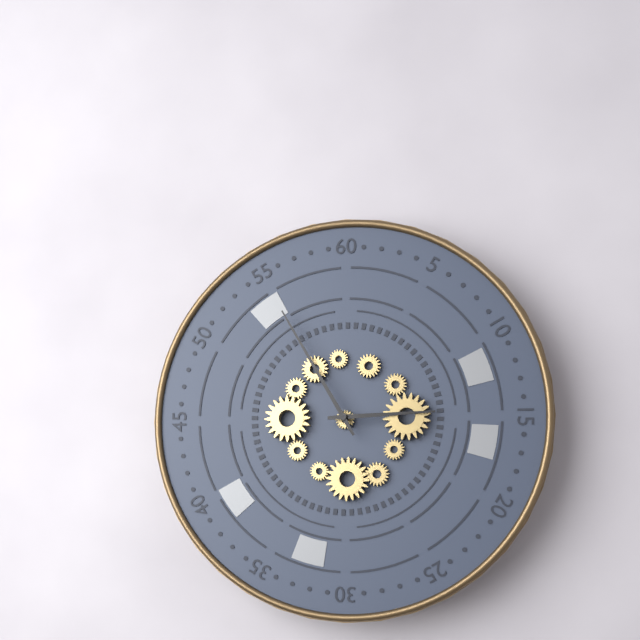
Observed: 2 h 55 min
